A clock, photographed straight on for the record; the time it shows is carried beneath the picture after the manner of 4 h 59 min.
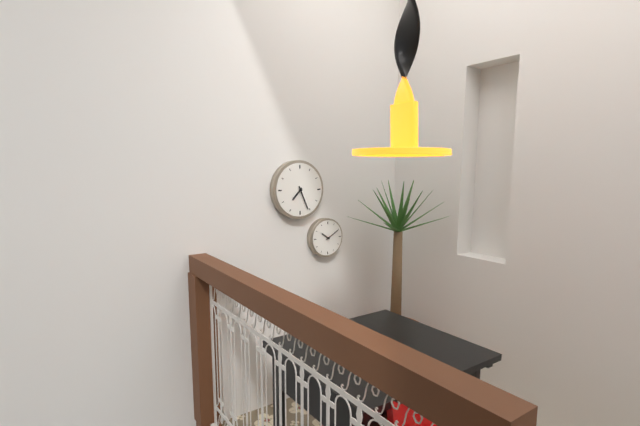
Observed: 7 h 26 min
